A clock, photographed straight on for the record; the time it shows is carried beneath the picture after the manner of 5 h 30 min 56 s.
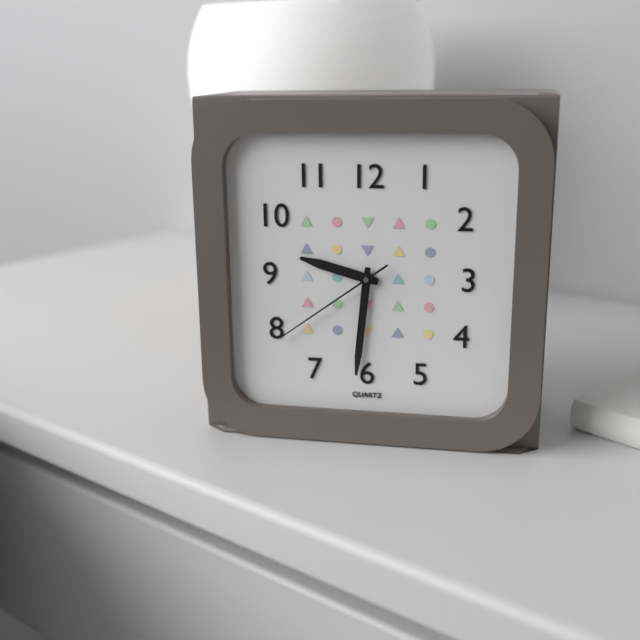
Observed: 9 h 31 min 39 s
